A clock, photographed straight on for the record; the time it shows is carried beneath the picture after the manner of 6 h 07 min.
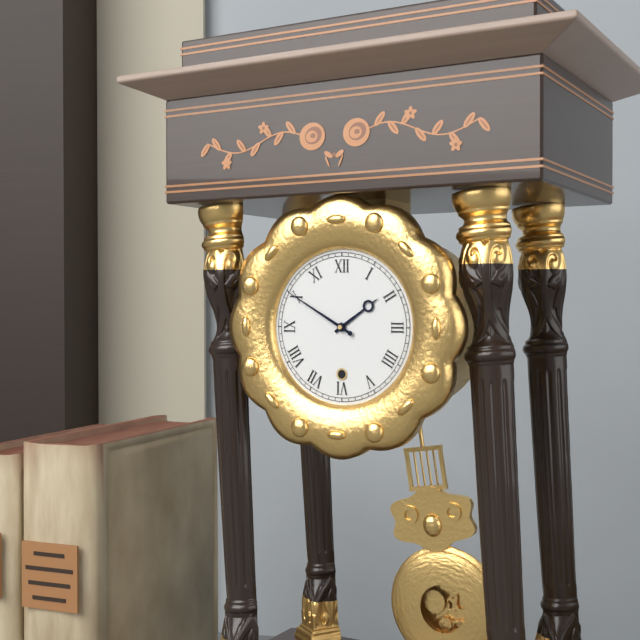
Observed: 1 h 50 min
